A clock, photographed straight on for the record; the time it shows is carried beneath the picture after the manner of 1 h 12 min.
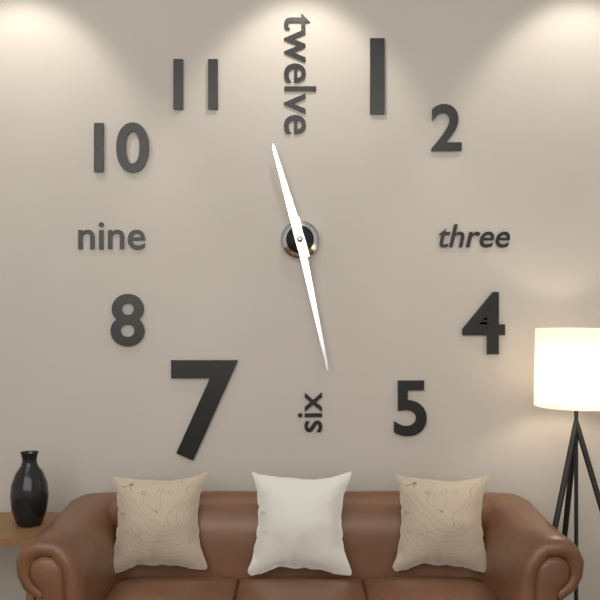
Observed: 11 h 28 min
